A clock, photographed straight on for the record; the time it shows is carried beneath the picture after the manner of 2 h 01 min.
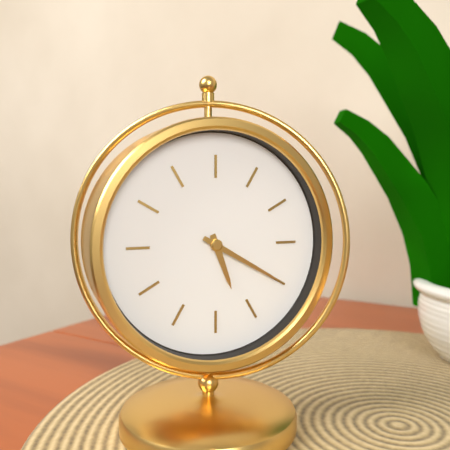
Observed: 5 h 20 min
